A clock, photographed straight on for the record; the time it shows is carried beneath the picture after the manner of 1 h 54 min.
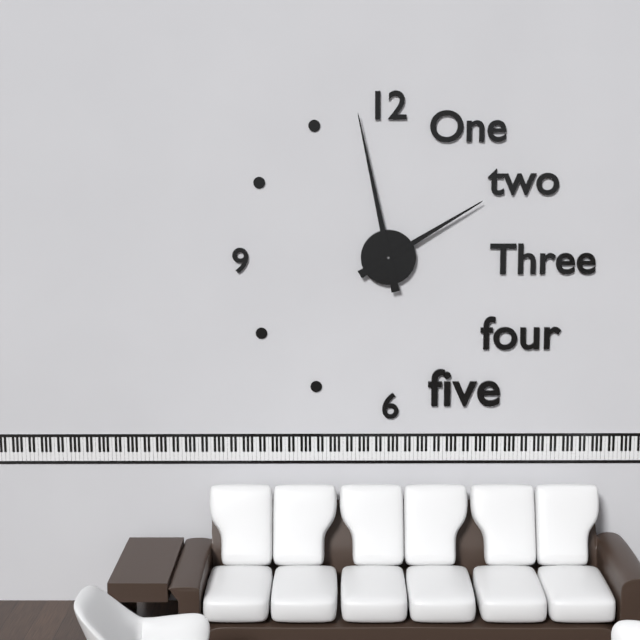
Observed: 1 h 58 min
